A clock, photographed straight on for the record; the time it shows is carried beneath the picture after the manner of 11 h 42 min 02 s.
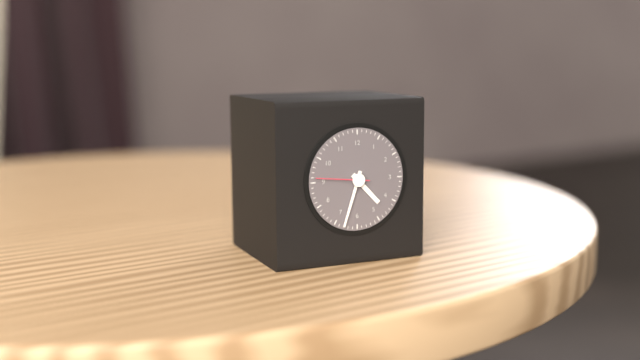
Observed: 4 h 33 min 46 s
